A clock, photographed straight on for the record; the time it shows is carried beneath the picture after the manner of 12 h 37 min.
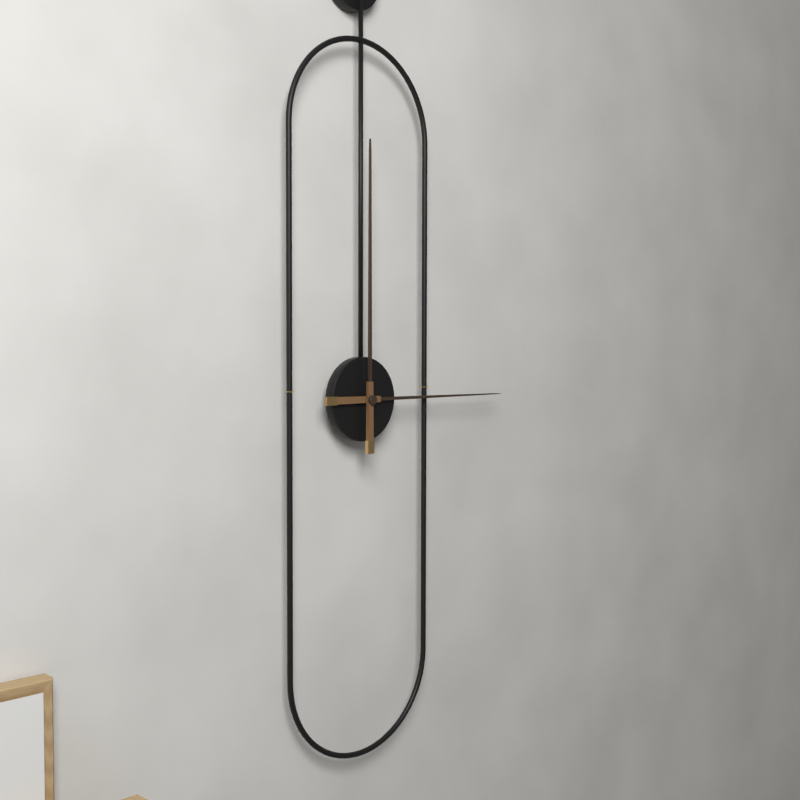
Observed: 3 h 00 min
